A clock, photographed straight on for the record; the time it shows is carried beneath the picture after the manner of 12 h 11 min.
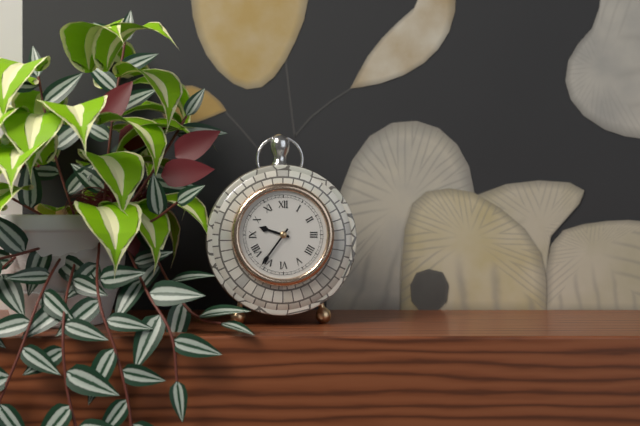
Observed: 9 h 36 min
